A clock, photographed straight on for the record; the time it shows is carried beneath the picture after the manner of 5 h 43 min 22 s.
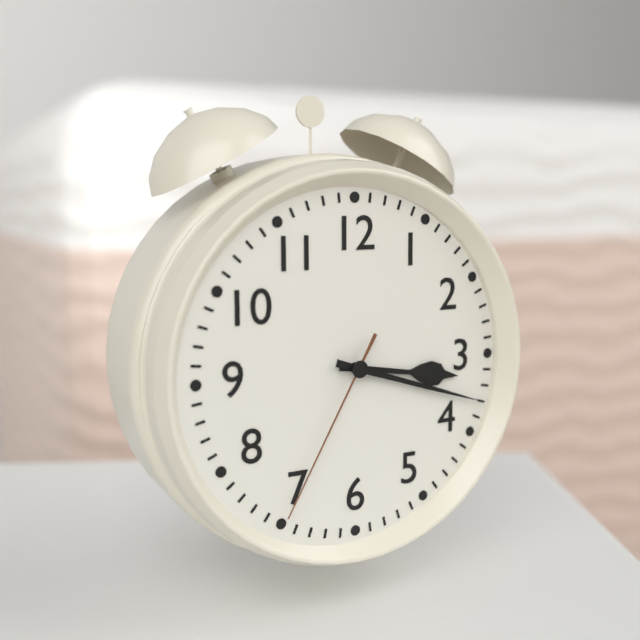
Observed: 3 h 18 min 35 s
